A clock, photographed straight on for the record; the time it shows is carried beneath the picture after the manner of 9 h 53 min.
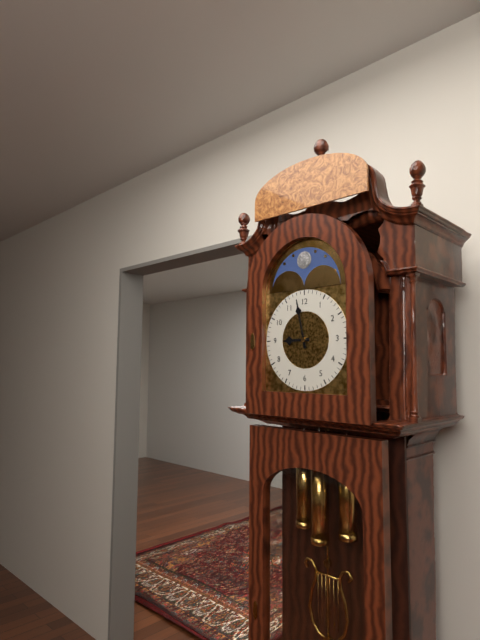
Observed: 8 h 58 min
